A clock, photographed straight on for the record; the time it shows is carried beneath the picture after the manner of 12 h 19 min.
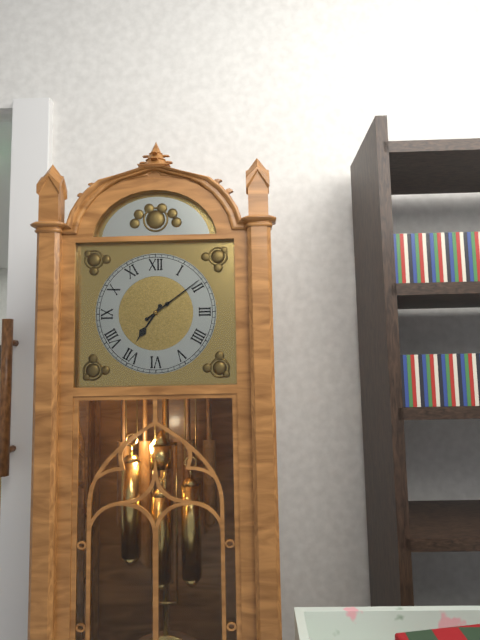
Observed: 7 h 09 min
